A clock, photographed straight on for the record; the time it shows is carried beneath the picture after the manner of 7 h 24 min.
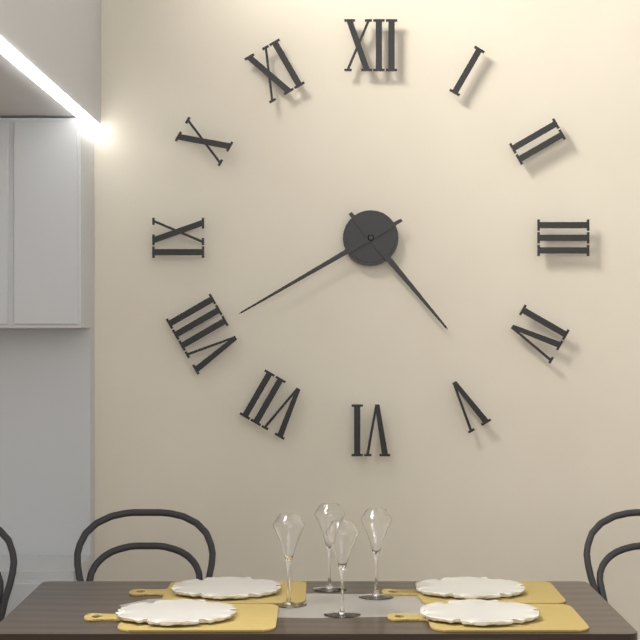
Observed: 4 h 40 min
